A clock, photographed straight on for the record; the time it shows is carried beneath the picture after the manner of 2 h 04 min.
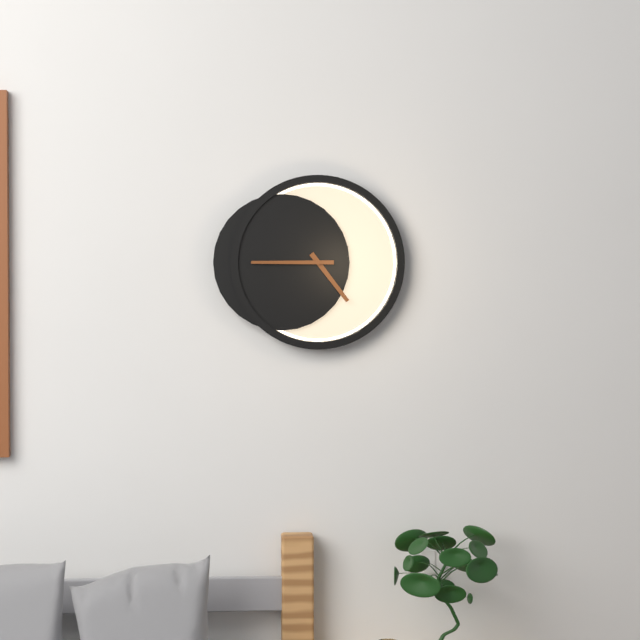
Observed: 4 h 45 min
